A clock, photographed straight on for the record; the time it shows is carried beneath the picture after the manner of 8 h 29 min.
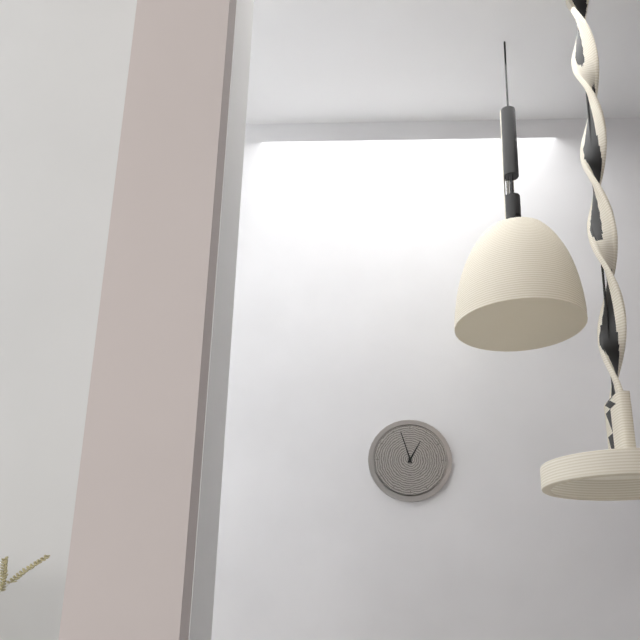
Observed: 12 h 57 min
